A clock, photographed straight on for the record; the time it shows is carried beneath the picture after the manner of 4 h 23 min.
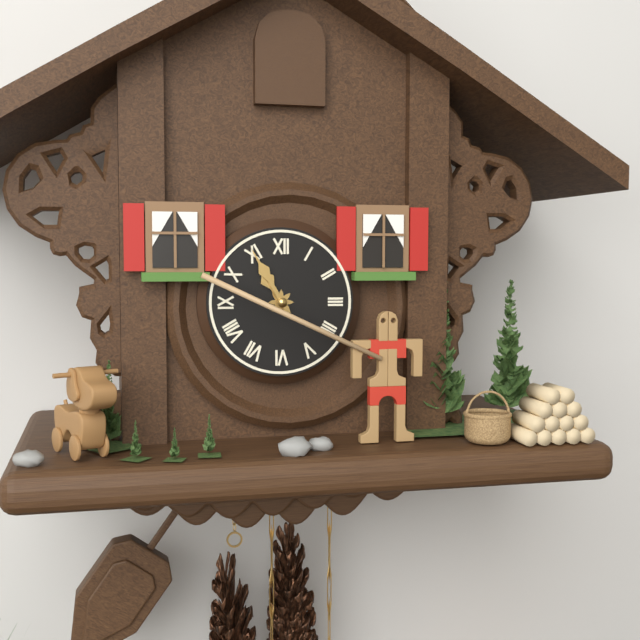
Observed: 10 h 55 min
